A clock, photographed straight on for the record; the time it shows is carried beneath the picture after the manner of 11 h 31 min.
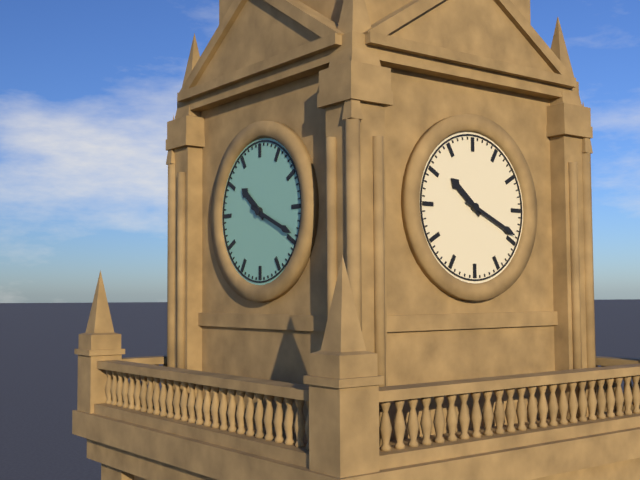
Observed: 10 h 19 min
